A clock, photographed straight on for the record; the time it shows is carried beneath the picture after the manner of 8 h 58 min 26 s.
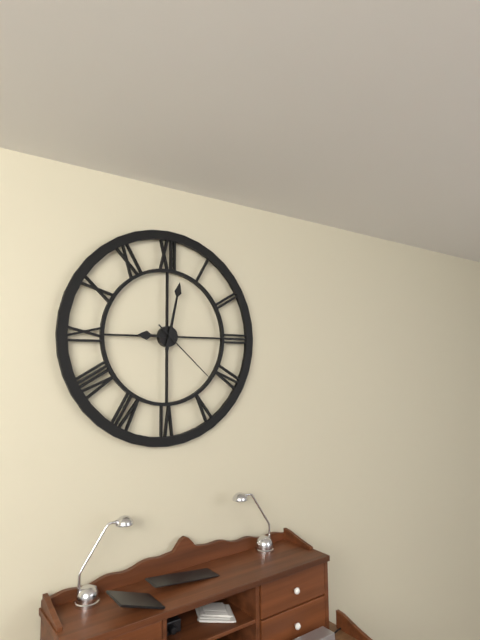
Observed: 9 h 02 min 22 s
